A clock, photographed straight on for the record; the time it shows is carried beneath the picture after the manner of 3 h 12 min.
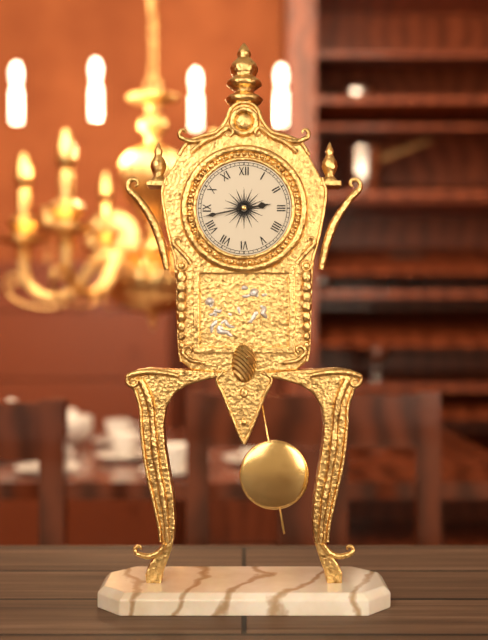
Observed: 2 h 43 min
